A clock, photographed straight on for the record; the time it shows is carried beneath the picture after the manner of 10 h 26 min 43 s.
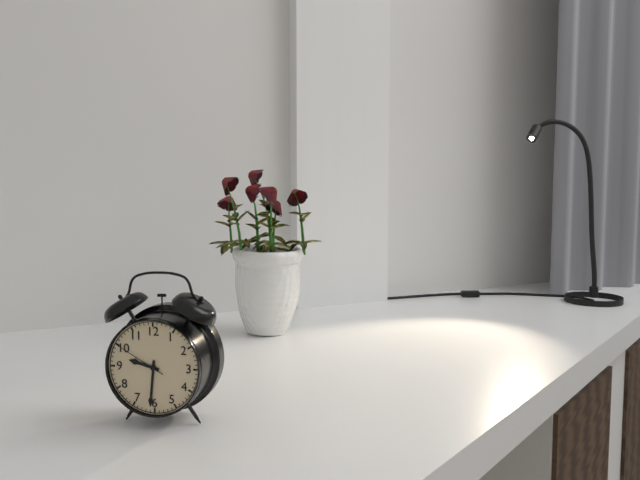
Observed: 9 h 31 min 50 s
